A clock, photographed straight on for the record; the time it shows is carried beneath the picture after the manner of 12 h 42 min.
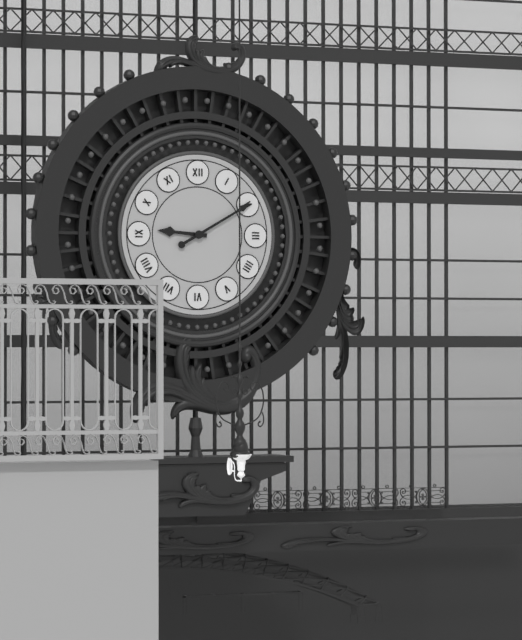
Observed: 9 h 10 min
